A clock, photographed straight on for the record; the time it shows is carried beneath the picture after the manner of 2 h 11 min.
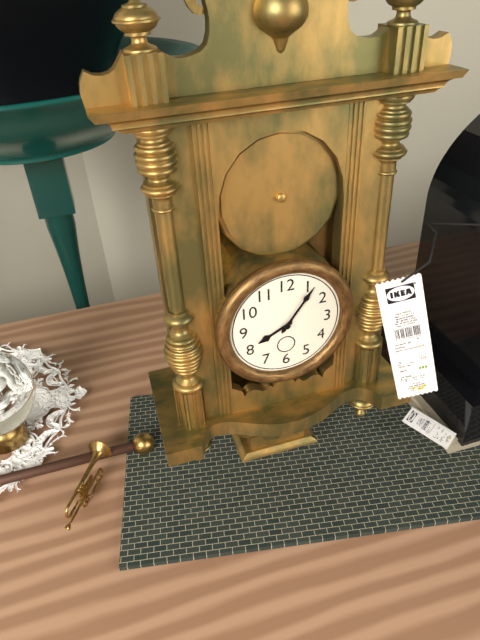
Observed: 8 h 06 min
